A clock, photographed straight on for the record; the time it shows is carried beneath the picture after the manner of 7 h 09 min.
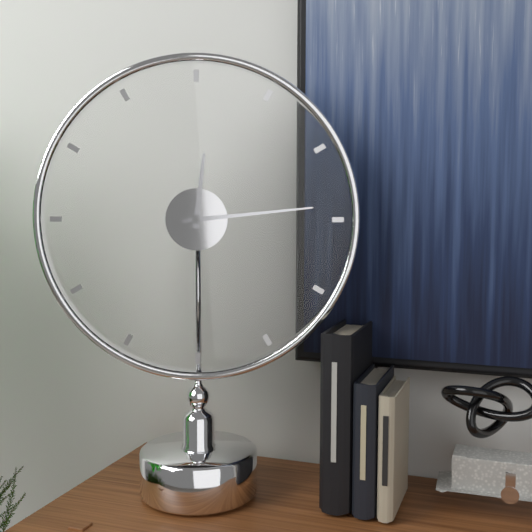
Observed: 12 h 14 min
